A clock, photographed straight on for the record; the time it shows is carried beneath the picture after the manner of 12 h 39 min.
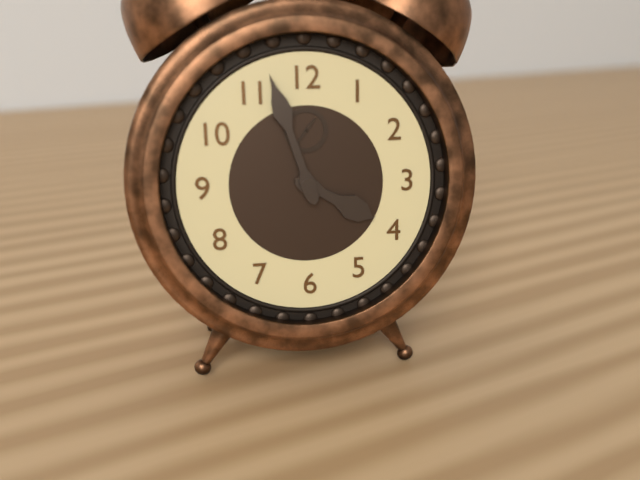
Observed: 3 h 57 min
